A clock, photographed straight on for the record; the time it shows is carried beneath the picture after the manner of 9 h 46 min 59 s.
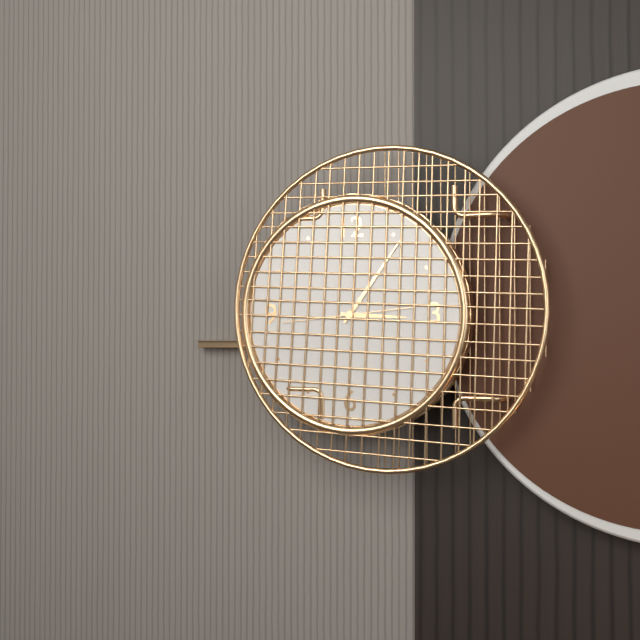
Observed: 3 h 06 min 44 s
